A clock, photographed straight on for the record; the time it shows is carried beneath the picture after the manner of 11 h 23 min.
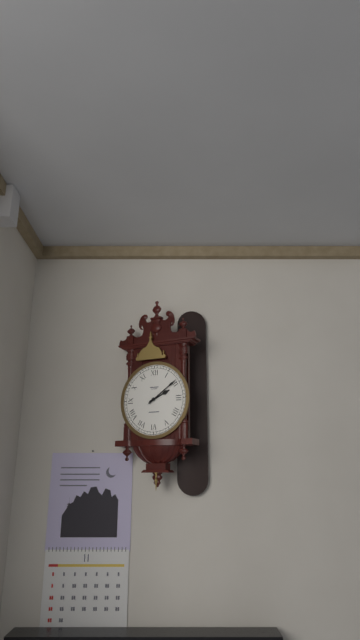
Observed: 2 h 09 min
